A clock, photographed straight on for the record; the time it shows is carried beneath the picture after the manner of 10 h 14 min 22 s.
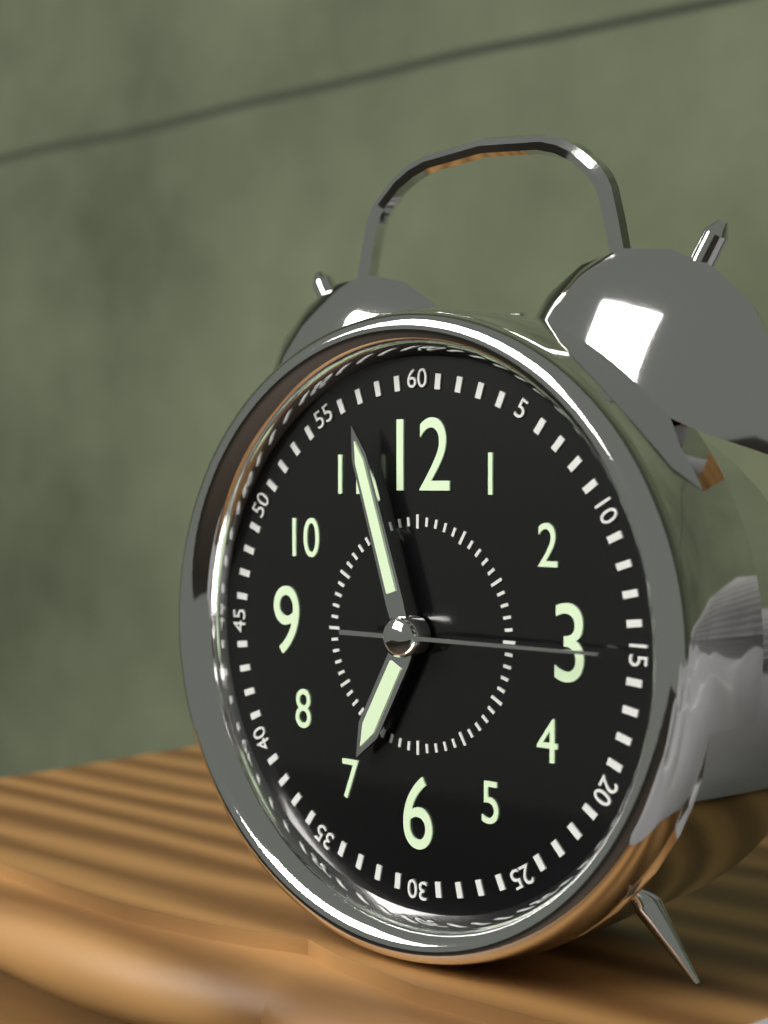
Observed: 6 h 57 min 15 s
